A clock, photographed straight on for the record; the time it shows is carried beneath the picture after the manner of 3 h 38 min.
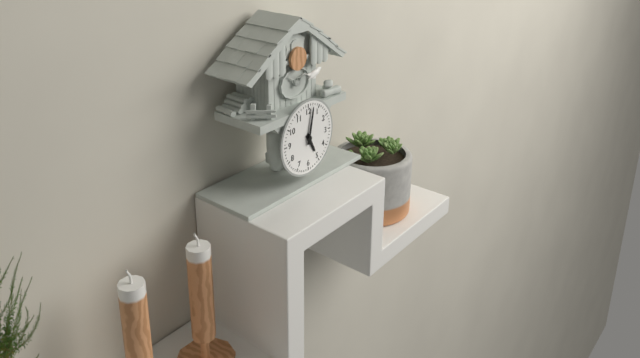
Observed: 5 h 02 min
